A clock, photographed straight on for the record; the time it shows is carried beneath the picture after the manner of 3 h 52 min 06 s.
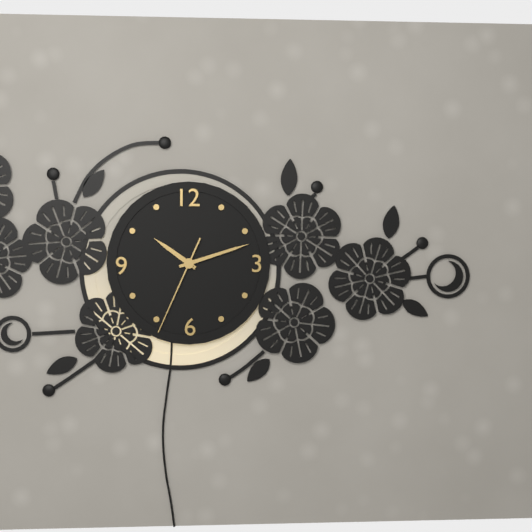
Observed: 10 h 12 min 34 s
